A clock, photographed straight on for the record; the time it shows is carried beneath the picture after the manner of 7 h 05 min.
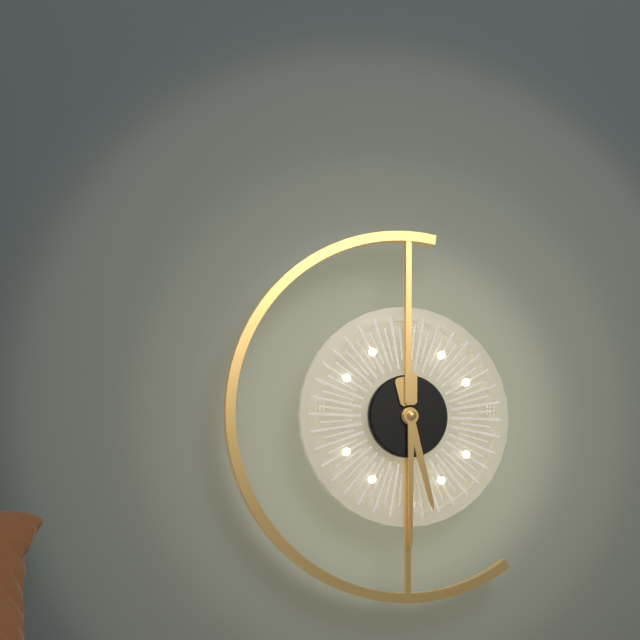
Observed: 5 h 30 min
